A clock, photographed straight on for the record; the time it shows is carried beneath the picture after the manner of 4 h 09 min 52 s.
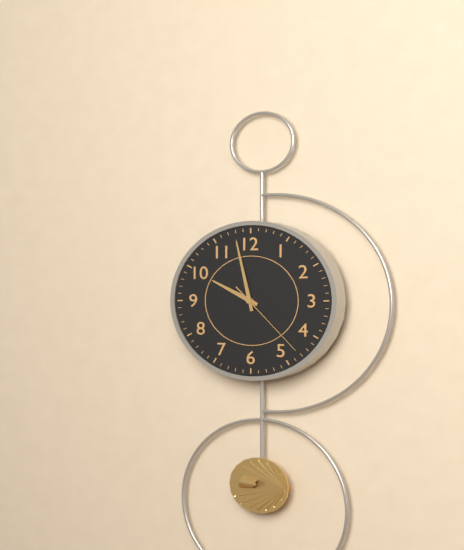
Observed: 9 h 58 min 23 s
